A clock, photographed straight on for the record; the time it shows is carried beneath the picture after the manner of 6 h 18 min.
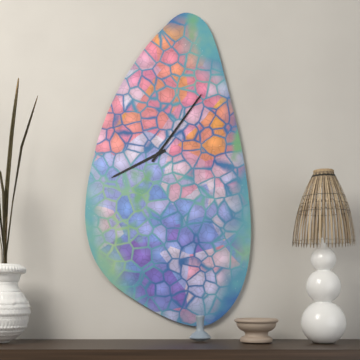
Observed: 8 h 06 min
